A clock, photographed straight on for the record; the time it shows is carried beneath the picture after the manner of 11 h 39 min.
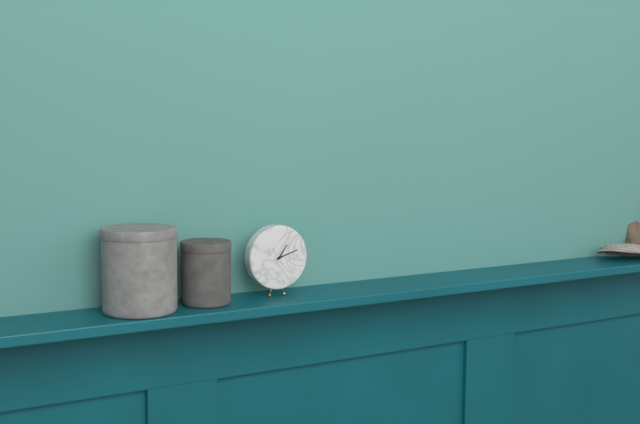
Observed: 1 h 12 min
